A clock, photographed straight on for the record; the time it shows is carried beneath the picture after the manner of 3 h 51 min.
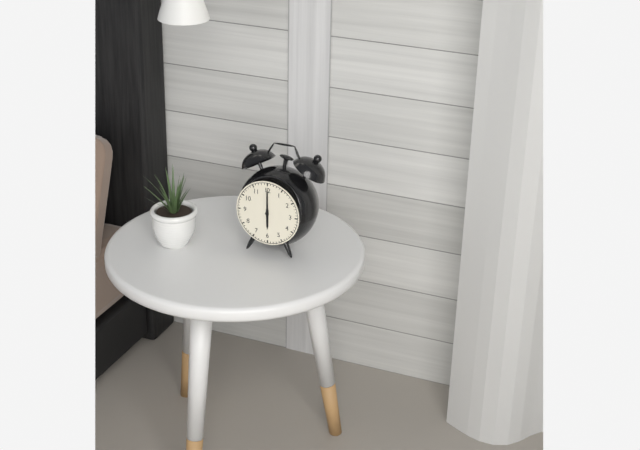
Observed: 6 h 00 min
